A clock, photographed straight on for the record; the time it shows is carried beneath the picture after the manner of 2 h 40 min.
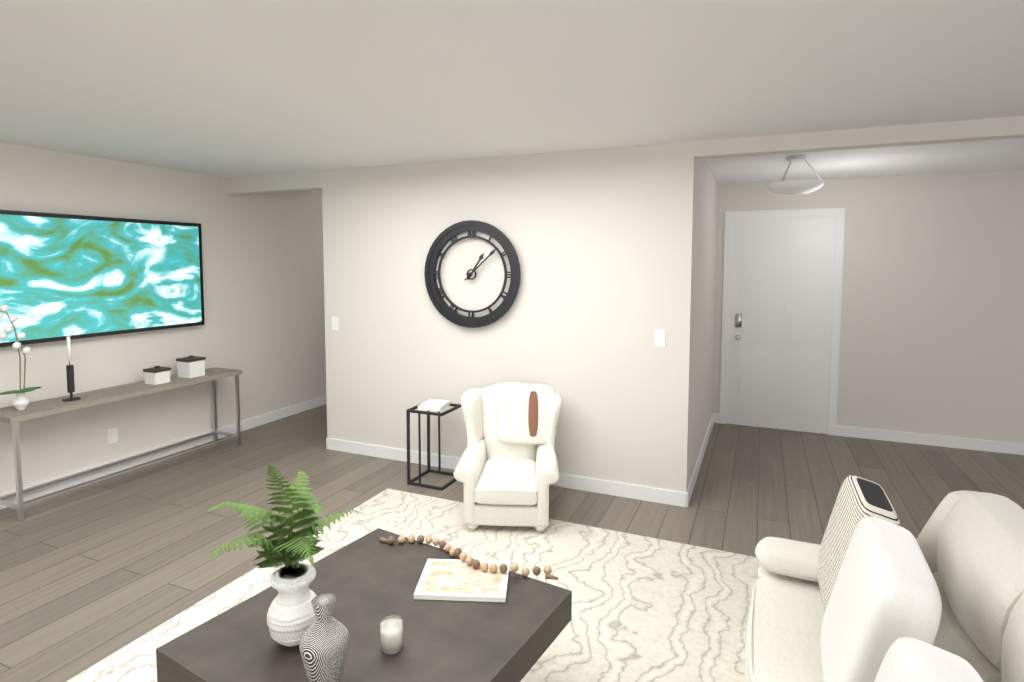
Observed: 1 h 08 min
